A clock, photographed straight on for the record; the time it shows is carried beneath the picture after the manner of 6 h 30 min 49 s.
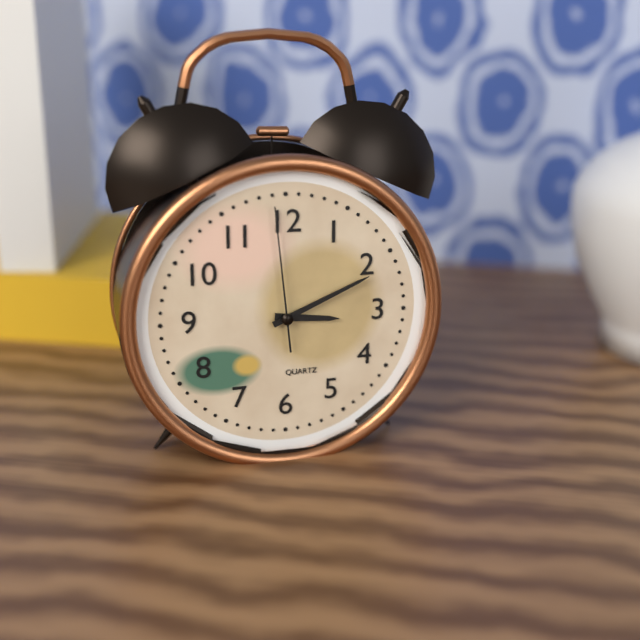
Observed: 3 h 11 min 59 s
